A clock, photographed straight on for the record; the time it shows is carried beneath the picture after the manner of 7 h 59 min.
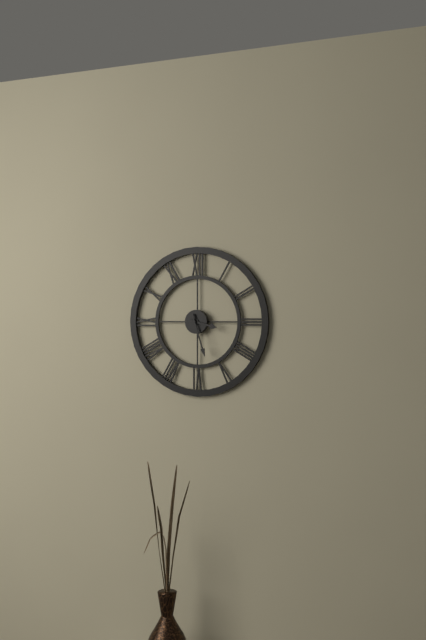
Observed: 3 h 27 min
